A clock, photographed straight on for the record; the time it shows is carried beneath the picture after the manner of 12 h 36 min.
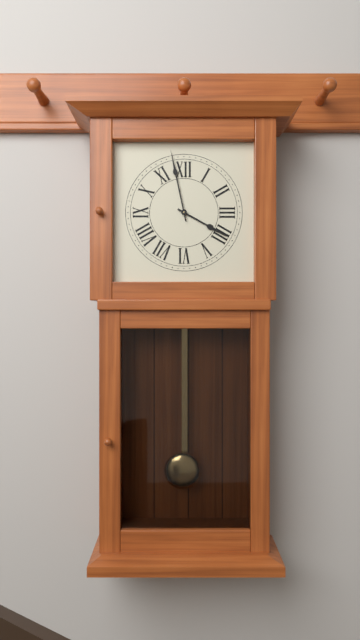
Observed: 3 h 58 min
